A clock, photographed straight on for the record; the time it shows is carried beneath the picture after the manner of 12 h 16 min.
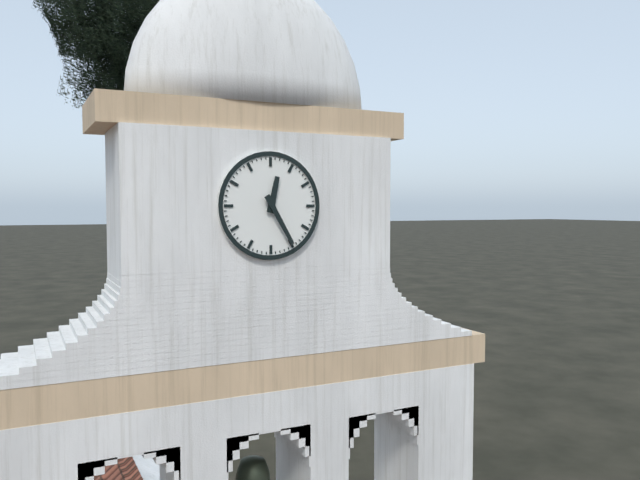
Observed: 12 h 25 min
